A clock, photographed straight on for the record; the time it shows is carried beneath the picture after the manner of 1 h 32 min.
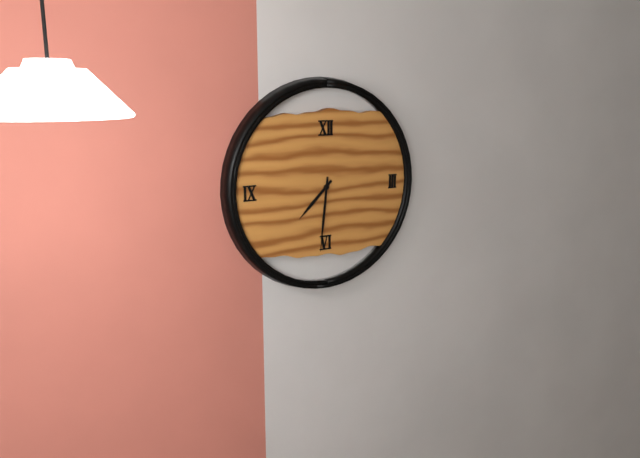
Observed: 7 h 31 min
